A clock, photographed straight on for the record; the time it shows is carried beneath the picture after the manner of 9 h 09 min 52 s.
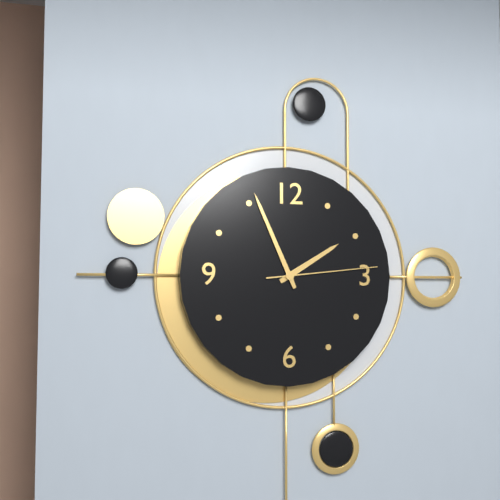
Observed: 1 h 56 min 14 s
